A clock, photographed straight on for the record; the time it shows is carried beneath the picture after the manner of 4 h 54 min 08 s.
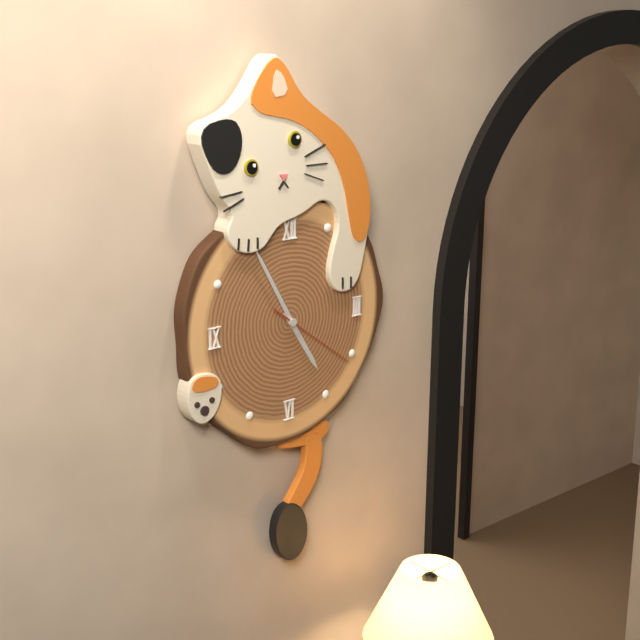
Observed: 4 h 55 min 21 s
